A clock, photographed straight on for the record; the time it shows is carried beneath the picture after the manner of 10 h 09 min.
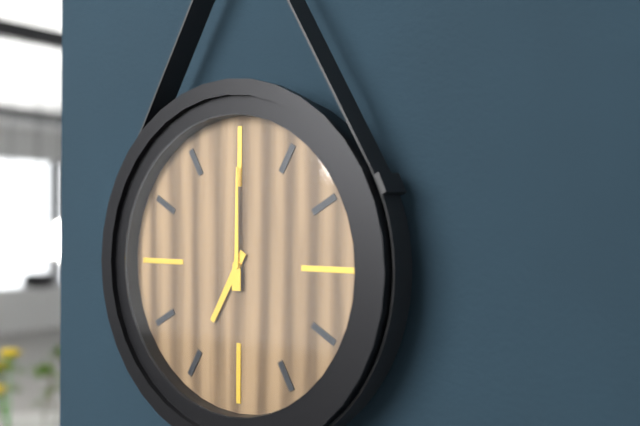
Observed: 7 h 00 min
